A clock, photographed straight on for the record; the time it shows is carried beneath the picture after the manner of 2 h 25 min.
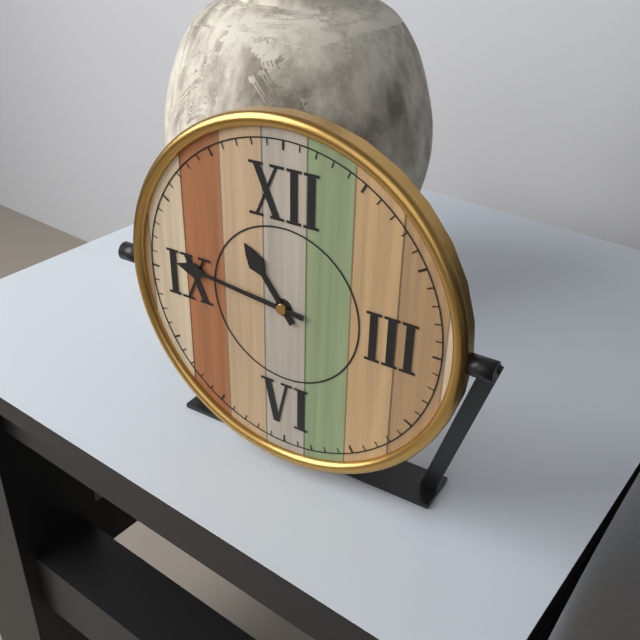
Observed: 10 h 46 min
